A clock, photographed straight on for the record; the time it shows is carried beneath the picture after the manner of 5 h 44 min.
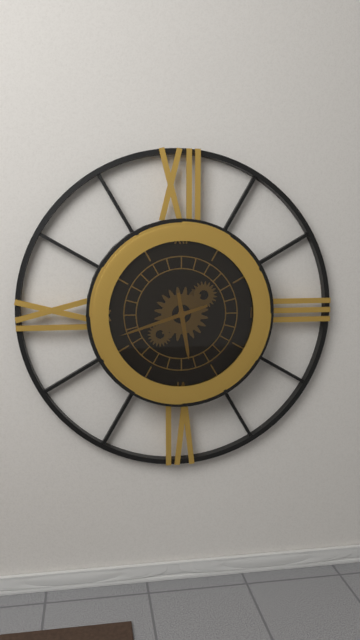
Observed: 5 h 42 min
